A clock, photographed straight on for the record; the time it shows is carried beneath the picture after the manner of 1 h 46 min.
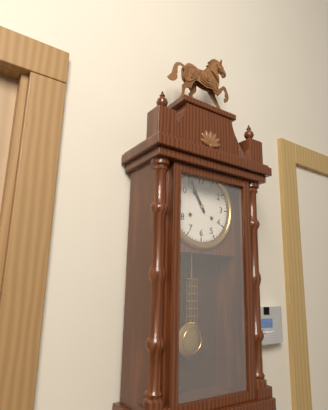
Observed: 10 h 55 min
